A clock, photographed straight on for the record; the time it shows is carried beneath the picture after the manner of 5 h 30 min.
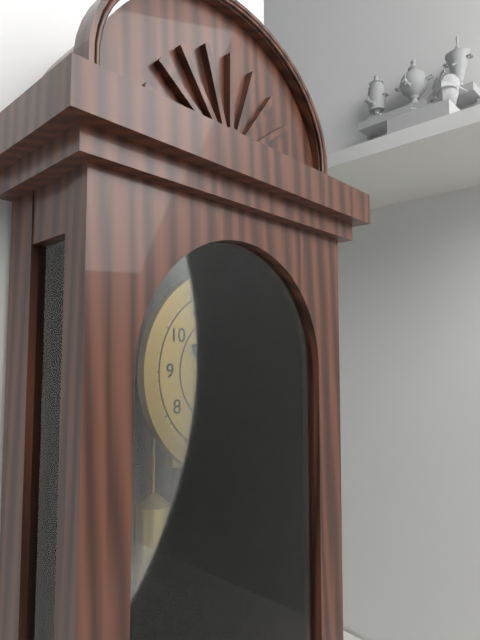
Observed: 10 h 02 min
